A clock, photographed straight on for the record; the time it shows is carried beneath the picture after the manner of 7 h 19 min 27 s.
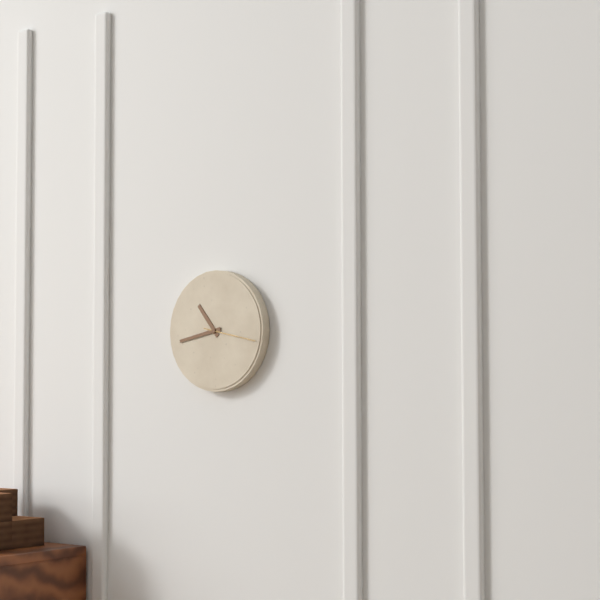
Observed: 10 h 43 min 17 s
